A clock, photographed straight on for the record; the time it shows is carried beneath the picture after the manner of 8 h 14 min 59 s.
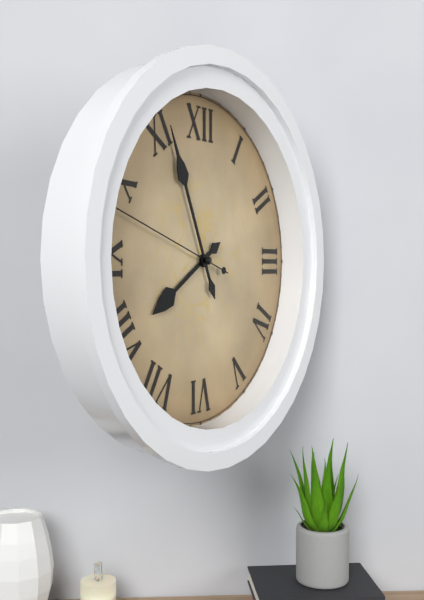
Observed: 7 h 56 min 48 s
